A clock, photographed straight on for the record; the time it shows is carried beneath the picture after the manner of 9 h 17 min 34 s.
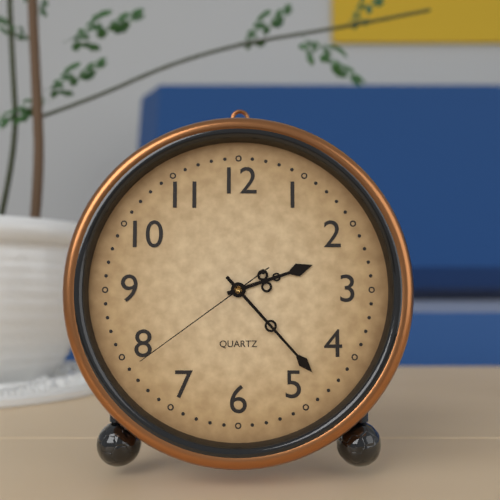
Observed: 2 h 23 min 39 s
